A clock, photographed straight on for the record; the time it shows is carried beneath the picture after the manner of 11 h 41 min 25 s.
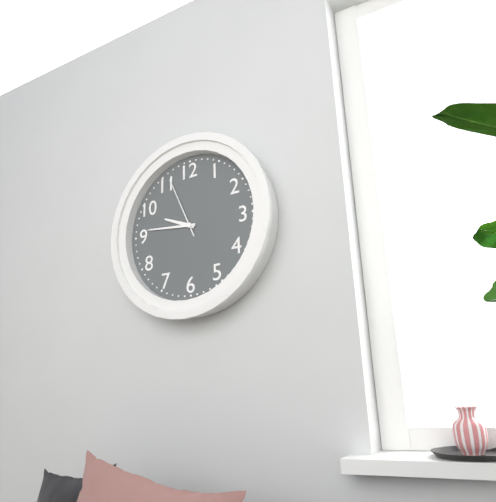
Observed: 9 h 46 min 56 s
